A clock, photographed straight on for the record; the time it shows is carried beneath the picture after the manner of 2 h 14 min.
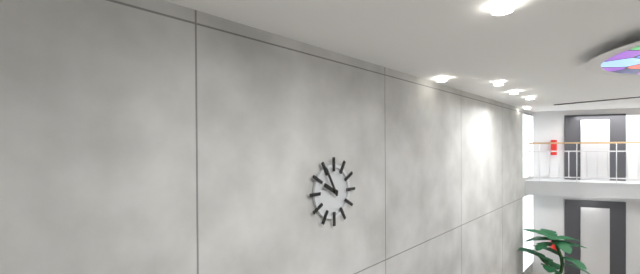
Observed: 9 h 55 min
